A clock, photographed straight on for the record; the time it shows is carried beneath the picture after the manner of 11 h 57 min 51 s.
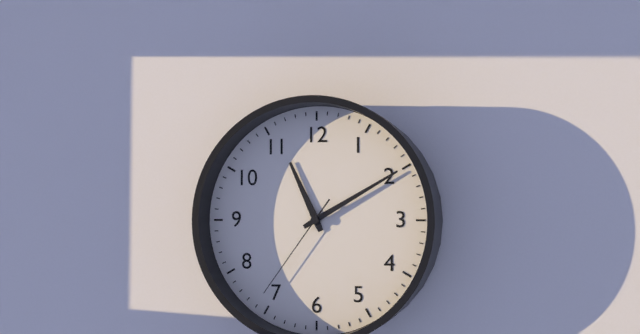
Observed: 11 h 10 min 36 s
